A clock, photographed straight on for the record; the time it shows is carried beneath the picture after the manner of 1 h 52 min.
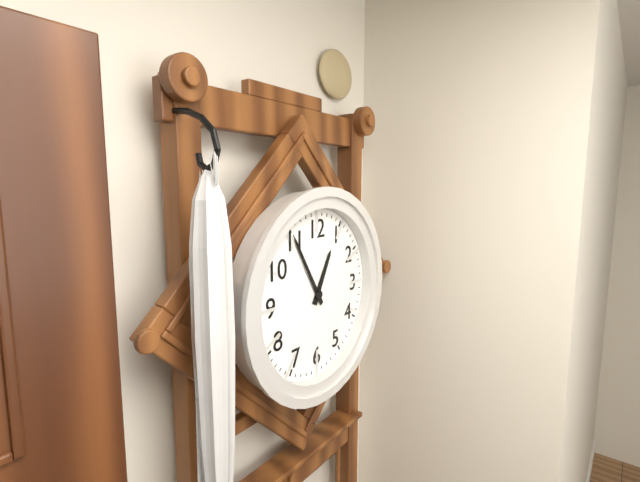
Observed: 12 h 55 min
